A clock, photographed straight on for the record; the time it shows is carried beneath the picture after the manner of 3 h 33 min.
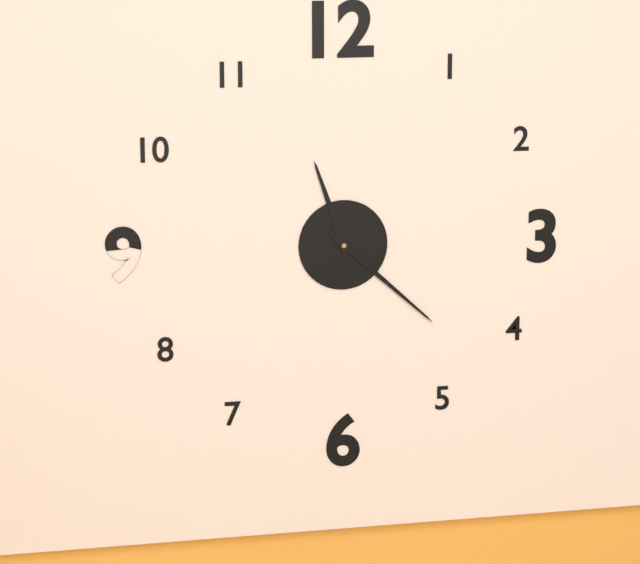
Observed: 11 h 22 min
